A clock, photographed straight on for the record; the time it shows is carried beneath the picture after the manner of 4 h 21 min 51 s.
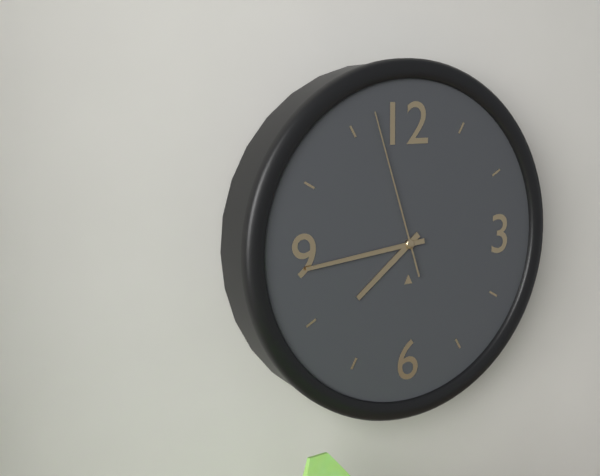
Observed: 7 h 44 min 57 s
